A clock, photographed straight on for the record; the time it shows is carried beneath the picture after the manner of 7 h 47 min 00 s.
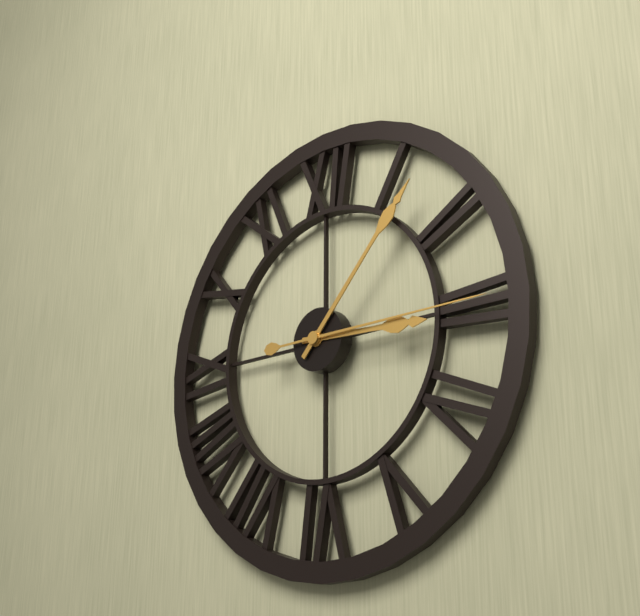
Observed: 3 h 07 min 15 s
